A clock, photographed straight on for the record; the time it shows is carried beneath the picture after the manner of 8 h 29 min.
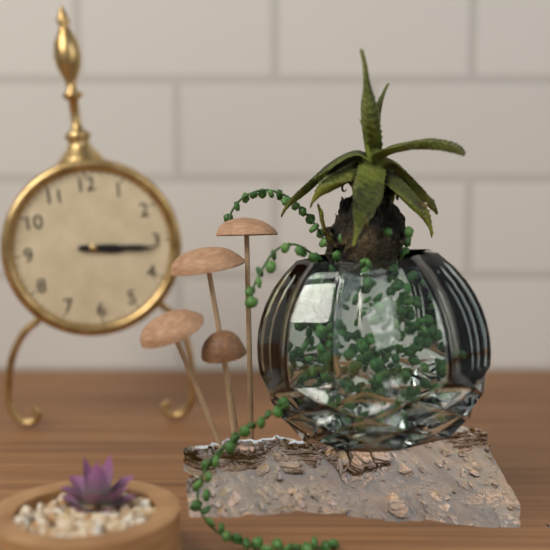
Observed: 3 h 16 min
